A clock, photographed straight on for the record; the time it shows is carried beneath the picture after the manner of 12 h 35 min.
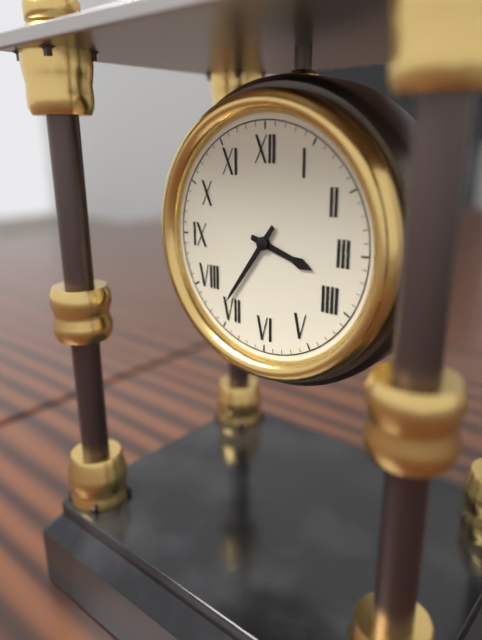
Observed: 3 h 36 min
